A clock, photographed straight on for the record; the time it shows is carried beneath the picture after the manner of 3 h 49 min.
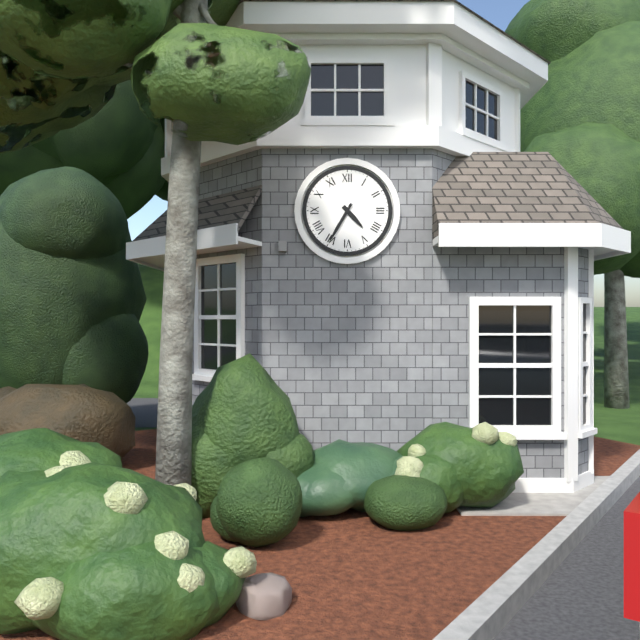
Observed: 4 h 35 min
